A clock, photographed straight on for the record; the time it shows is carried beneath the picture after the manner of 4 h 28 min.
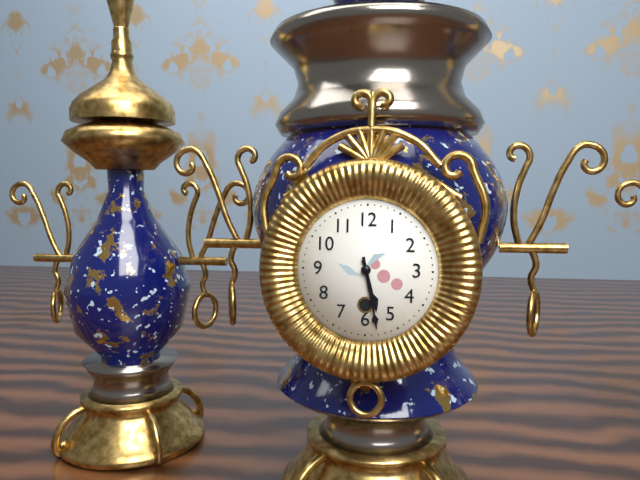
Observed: 5 h 28 min
